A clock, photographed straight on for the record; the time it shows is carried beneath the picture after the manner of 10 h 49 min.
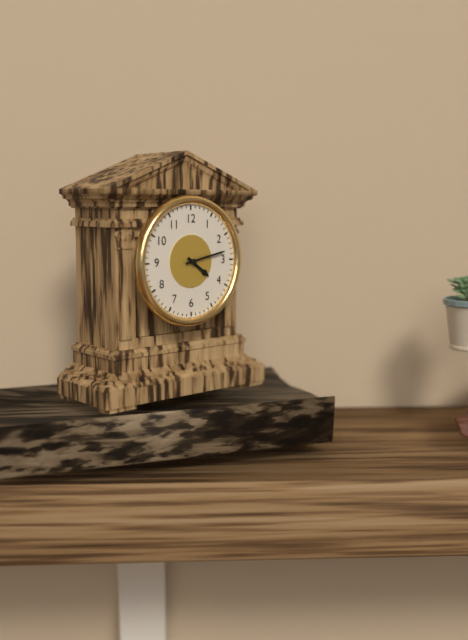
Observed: 4 h 13 min
